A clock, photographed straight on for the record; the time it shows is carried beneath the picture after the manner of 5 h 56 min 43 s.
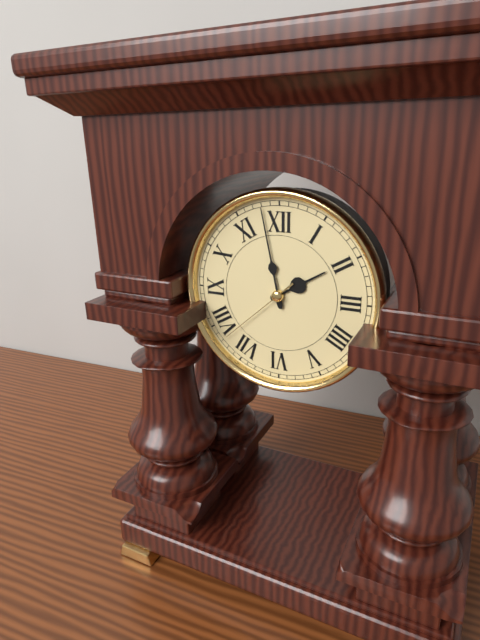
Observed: 1 h 58 min 38 s
